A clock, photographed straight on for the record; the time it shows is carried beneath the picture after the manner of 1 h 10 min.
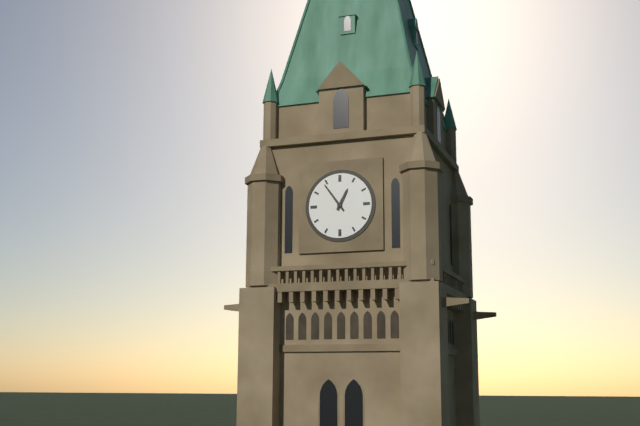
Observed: 12 h 54 min
